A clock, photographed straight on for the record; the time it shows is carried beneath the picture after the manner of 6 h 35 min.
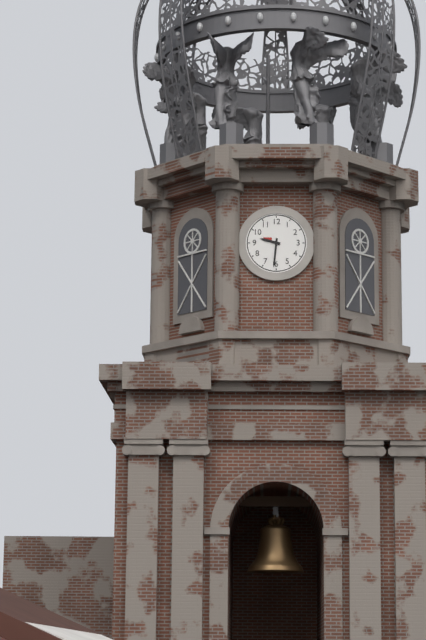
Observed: 9 h 31 min
